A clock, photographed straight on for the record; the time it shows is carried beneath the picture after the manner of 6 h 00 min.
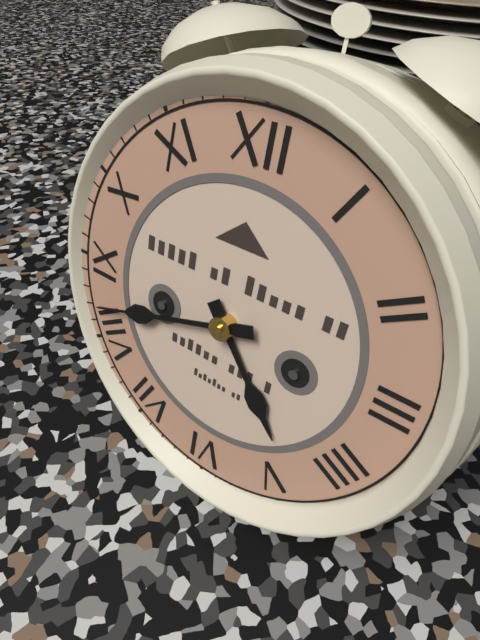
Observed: 4 h 42 min
